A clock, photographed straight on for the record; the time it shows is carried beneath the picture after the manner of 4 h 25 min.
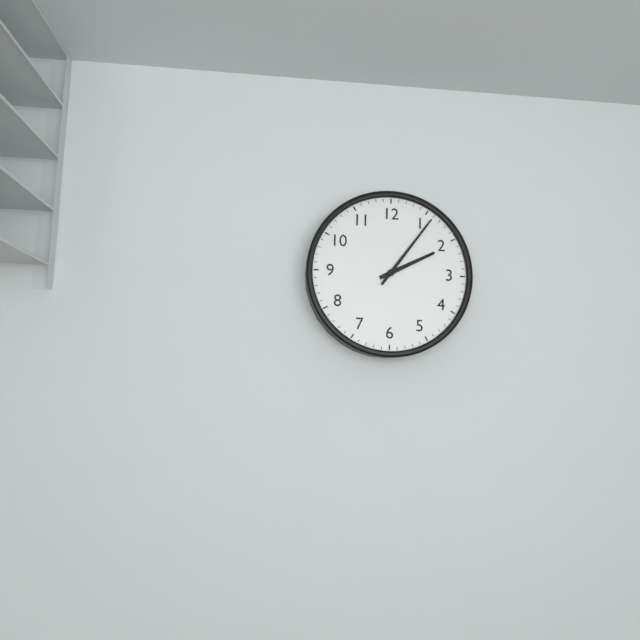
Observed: 2 h 06 min
